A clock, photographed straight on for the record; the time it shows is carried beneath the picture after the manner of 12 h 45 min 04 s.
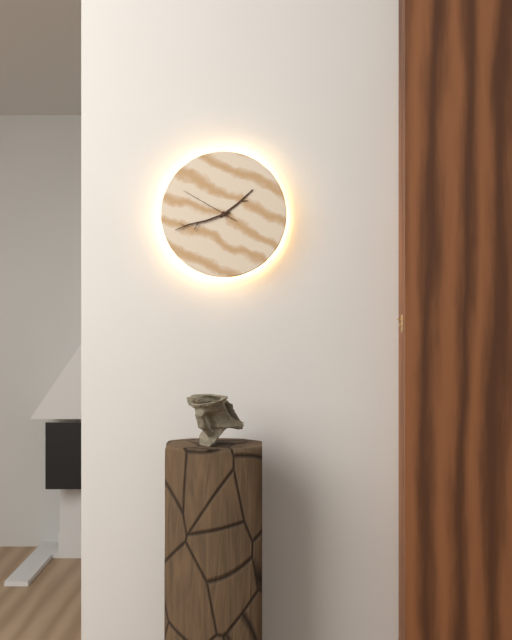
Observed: 1 h 42 min 50 s
